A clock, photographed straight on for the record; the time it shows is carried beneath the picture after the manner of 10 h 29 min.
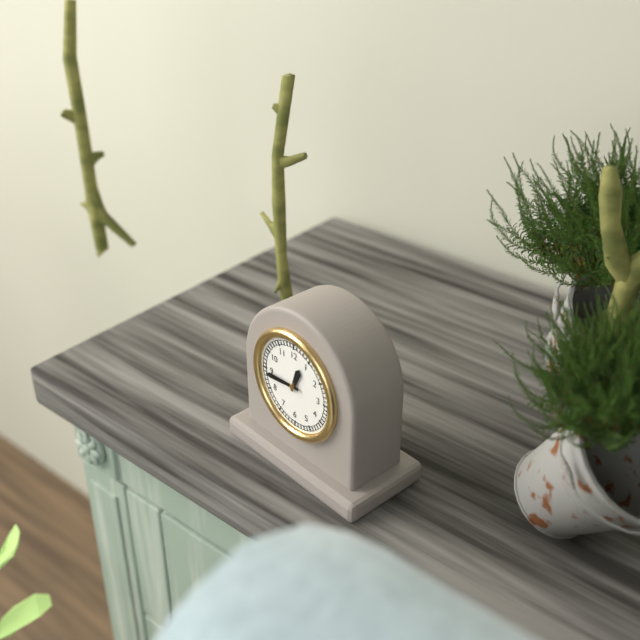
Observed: 12 h 44 min
